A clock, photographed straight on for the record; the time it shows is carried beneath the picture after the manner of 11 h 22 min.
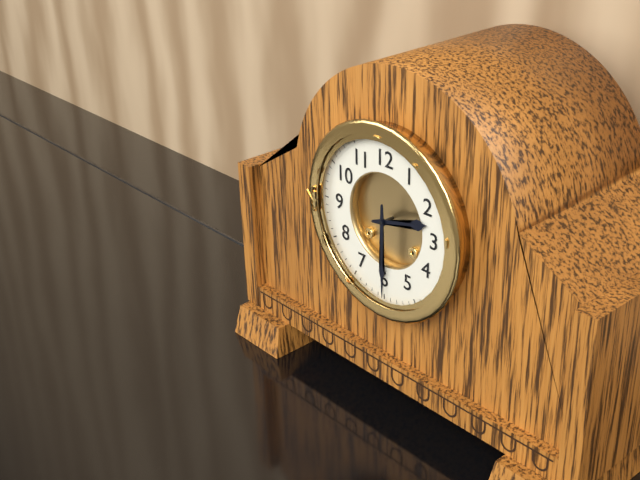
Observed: 2 h 30 min
